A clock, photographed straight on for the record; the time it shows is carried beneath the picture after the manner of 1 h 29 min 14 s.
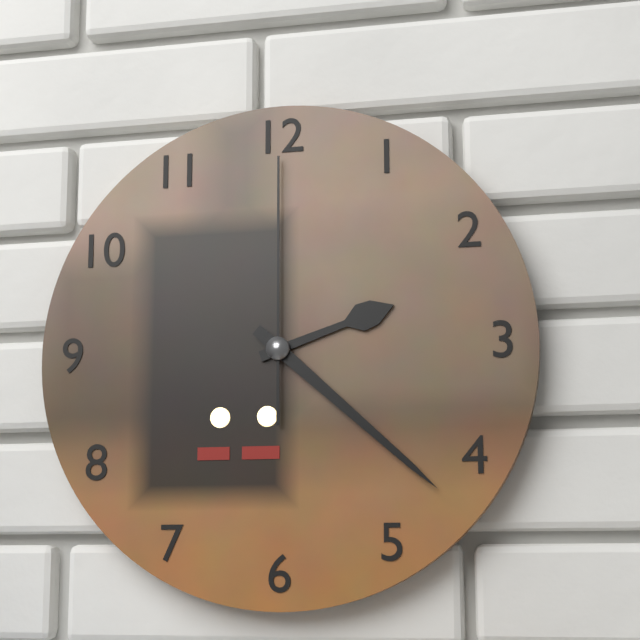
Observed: 2 h 22 min 00 s
